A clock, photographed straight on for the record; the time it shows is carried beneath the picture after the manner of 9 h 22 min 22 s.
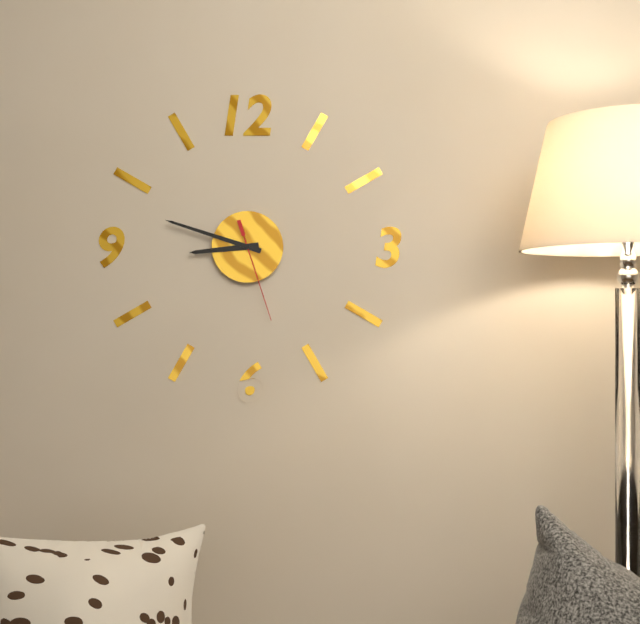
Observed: 8 h 48 min 27 s
